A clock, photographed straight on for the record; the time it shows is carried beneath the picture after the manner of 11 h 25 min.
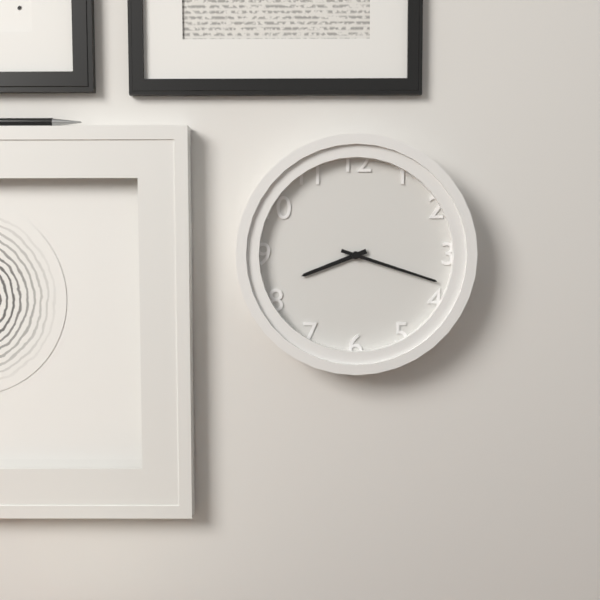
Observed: 8 h 18 min
